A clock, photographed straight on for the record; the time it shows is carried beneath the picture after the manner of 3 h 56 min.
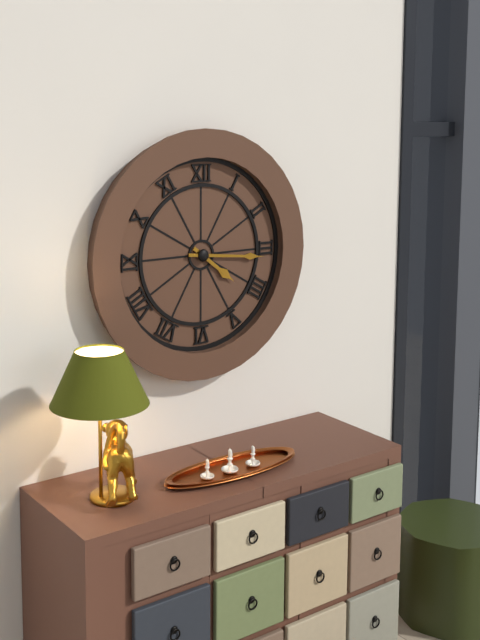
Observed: 4 h 16 min
